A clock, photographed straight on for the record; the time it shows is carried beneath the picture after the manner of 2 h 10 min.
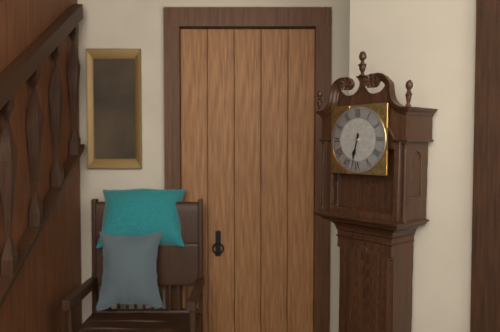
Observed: 6 h 32 min
